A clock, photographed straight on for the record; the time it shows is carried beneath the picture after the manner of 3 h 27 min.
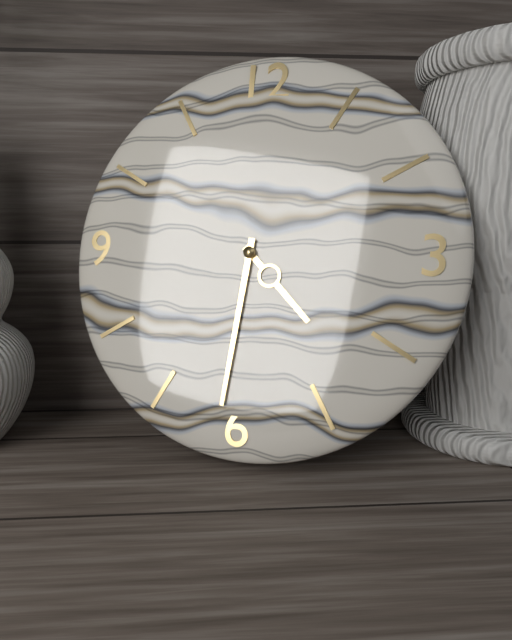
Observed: 4 h 31 min
